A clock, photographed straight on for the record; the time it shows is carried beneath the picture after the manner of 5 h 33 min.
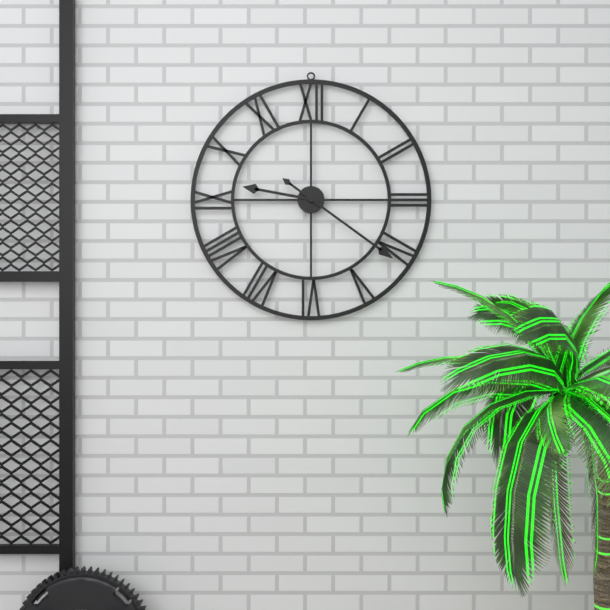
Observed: 9 h 21 min
